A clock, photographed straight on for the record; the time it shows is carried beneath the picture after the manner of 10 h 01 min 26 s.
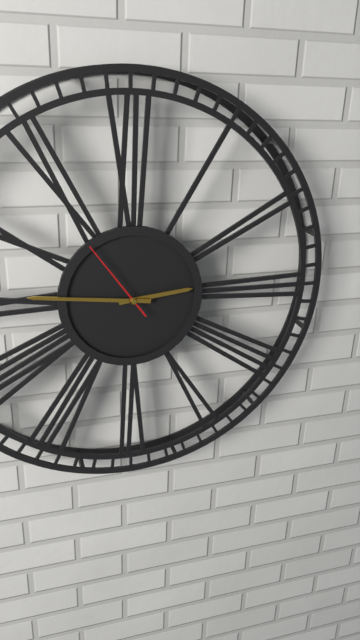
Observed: 2 h 46 min 54 s
